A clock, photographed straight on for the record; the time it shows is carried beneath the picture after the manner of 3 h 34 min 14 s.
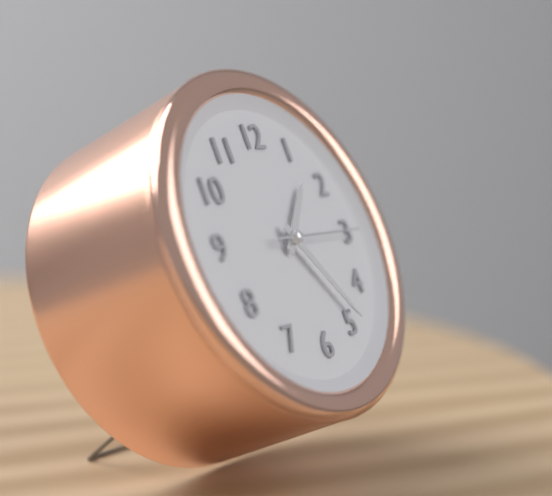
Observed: 1 h 24 min 15 s
